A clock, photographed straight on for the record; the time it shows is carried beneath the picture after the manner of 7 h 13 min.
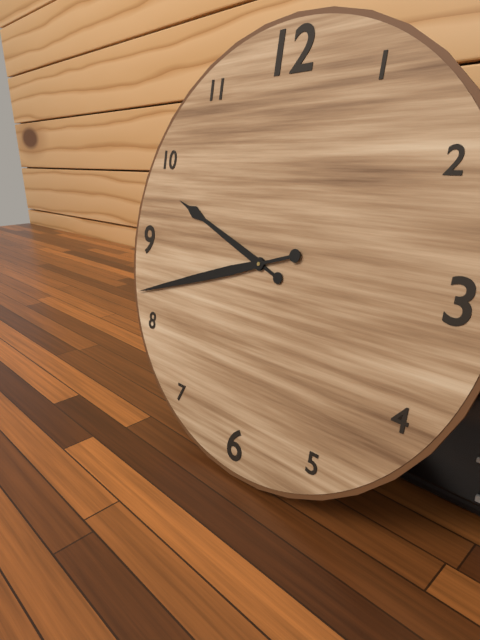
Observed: 9 h 42 min
